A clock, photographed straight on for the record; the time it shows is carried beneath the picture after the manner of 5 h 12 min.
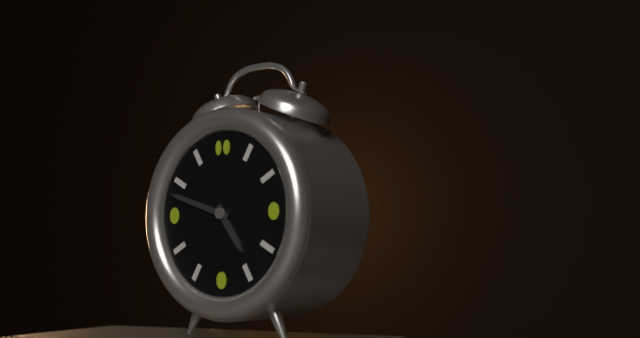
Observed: 4 h 48 min
